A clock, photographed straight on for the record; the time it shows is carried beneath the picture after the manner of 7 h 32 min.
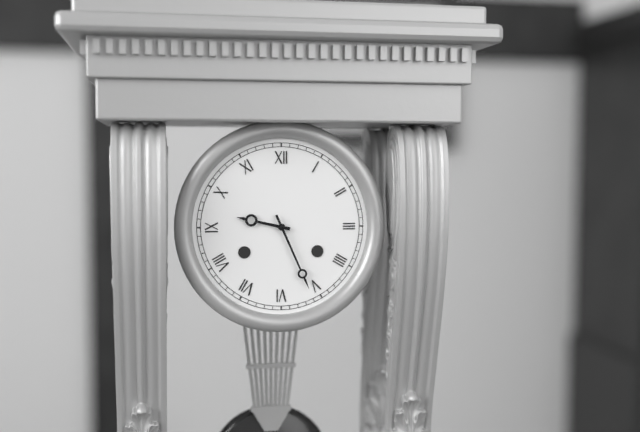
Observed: 9 h 26 min
